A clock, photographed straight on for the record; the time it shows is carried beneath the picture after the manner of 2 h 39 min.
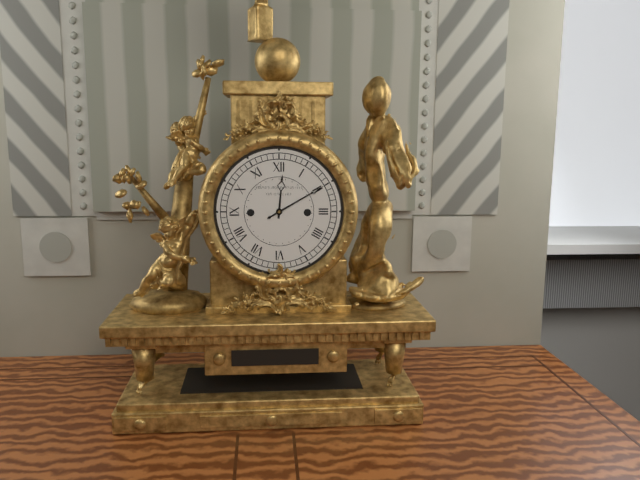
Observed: 12 h 10 min
